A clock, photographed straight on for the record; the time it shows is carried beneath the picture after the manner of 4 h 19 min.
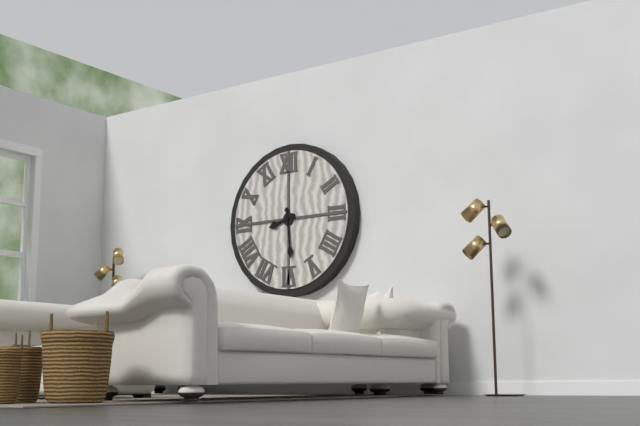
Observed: 8 h 29 min
